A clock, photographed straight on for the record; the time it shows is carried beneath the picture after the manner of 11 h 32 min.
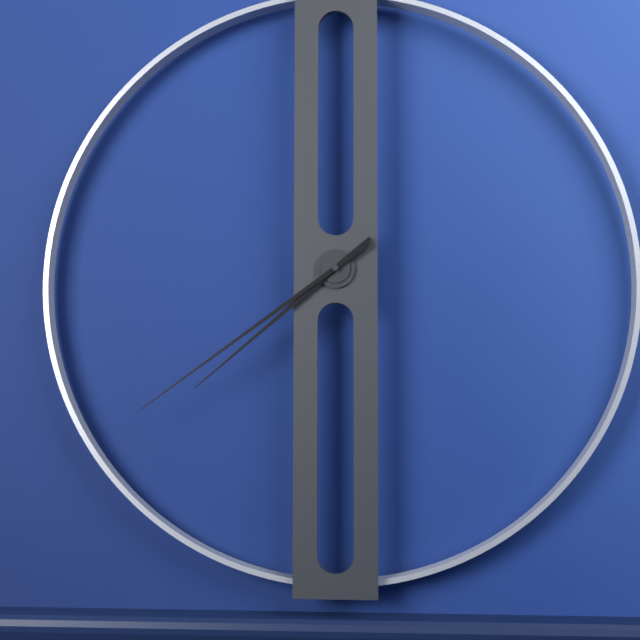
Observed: 7 h 39 min
